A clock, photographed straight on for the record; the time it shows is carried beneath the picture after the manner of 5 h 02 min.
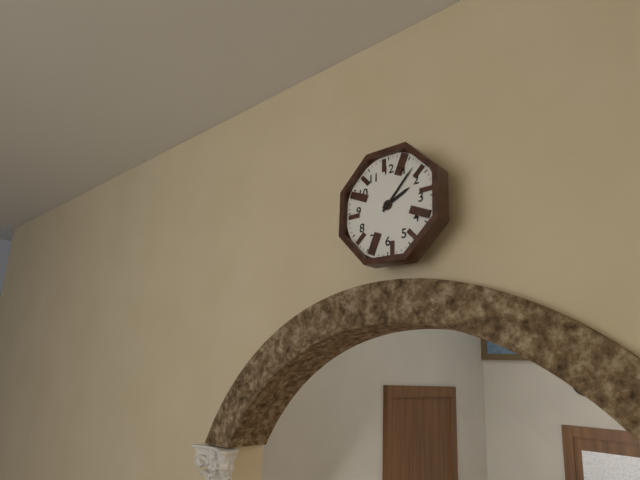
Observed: 2 h 07 min
